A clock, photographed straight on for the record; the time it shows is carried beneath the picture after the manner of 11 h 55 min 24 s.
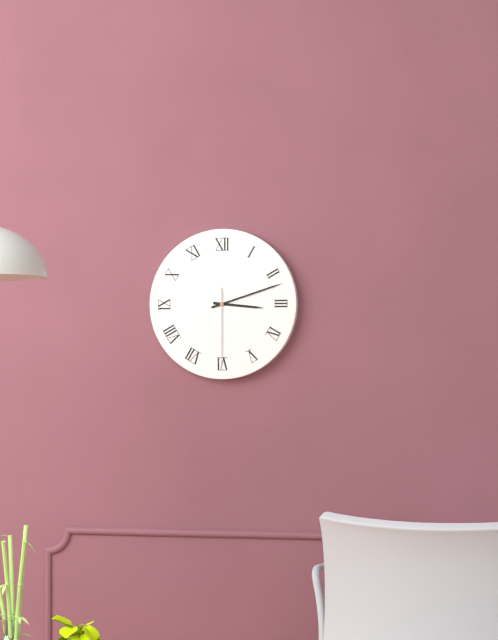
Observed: 3 h 12 min 30 s
